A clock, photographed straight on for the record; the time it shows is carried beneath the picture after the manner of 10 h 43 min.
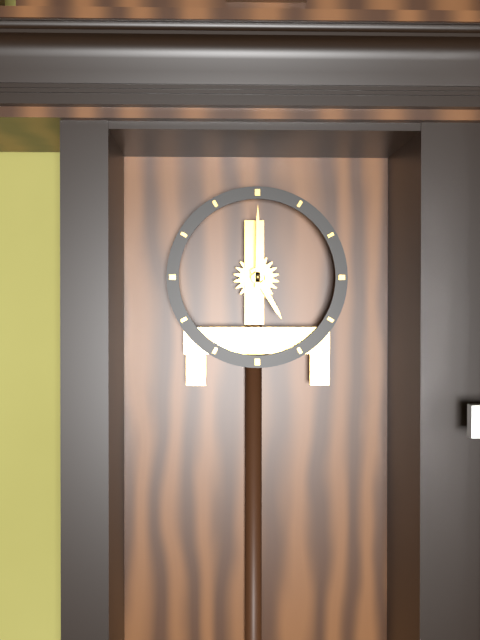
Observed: 5 h 00 min
